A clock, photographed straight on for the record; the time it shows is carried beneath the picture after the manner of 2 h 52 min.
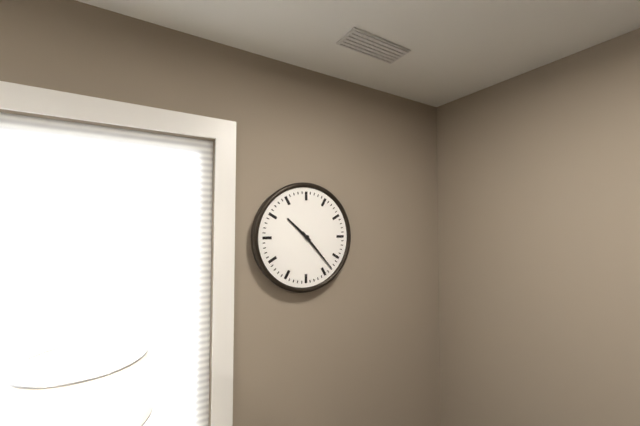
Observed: 10 h 23 min
